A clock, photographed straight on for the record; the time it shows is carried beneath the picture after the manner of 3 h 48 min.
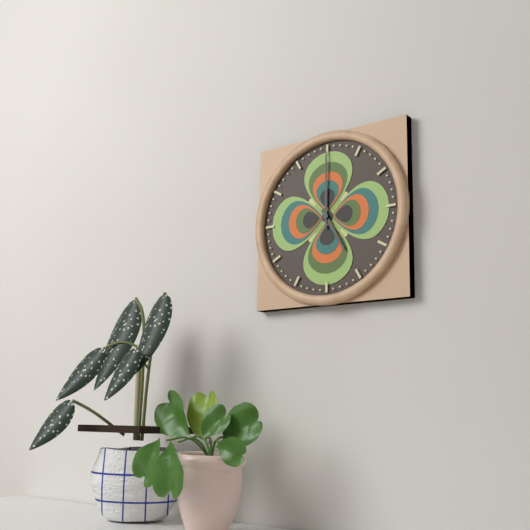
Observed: 5 h 00 min
